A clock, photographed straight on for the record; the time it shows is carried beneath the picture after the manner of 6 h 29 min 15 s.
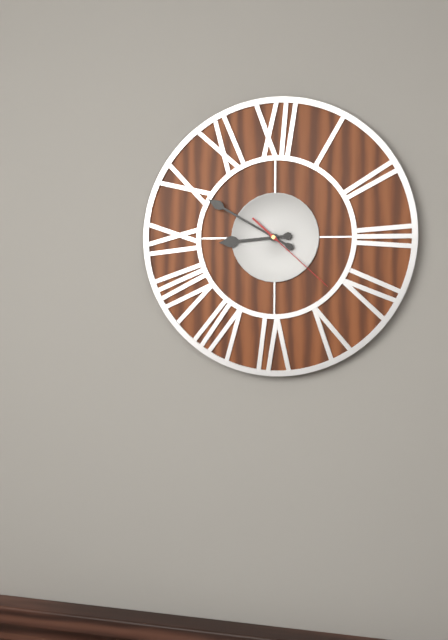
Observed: 8 h 50 min 22 s
